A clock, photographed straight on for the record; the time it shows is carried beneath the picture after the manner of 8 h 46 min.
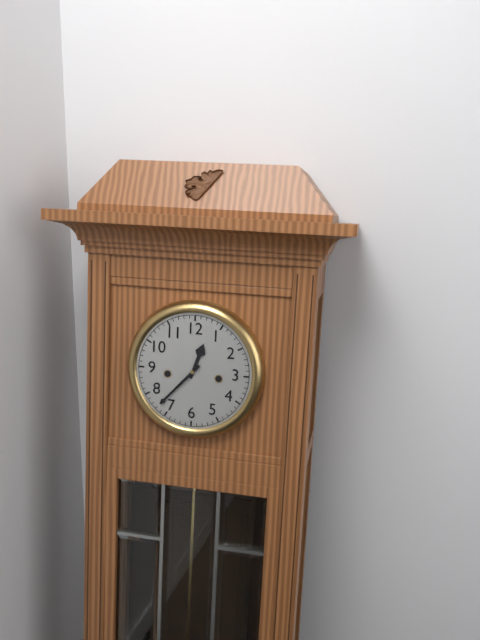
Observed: 12 h 37 min
